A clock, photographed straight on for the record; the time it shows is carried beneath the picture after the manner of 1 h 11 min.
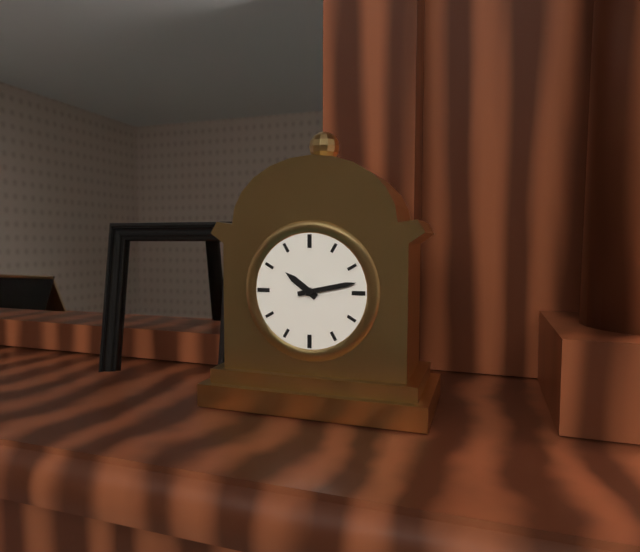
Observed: 10 h 13 min
